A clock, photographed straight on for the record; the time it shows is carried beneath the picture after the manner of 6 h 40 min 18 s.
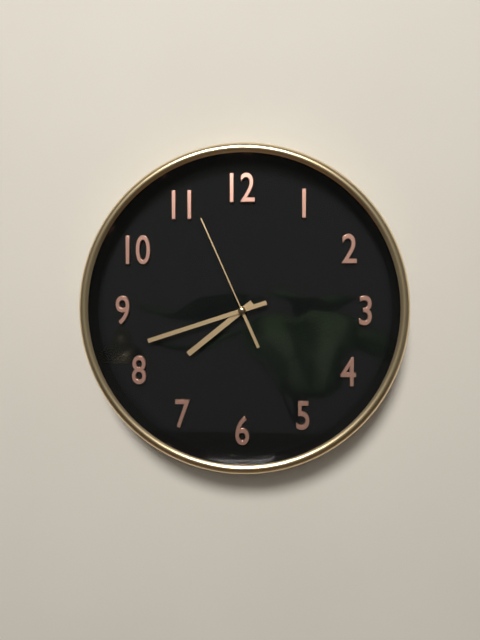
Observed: 7 h 42 min 56 s
